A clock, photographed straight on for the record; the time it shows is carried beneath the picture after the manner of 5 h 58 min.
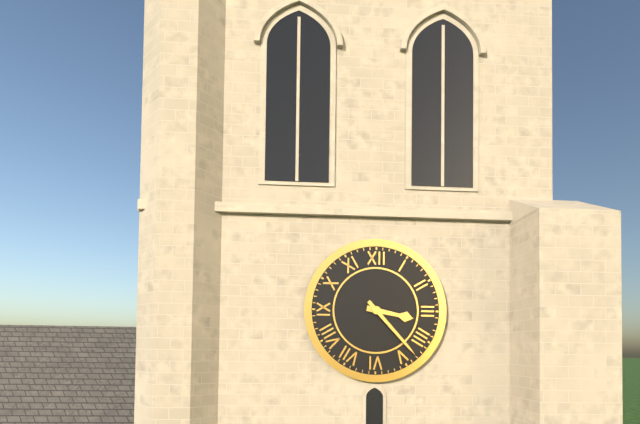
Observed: 3 h 23 min
